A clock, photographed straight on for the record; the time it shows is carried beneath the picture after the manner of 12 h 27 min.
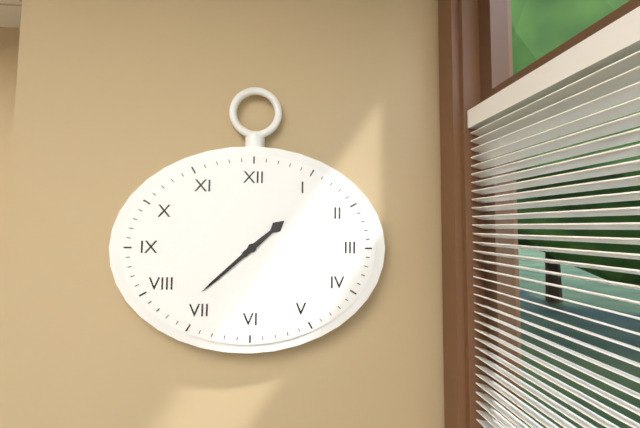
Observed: 1 h 38 min
